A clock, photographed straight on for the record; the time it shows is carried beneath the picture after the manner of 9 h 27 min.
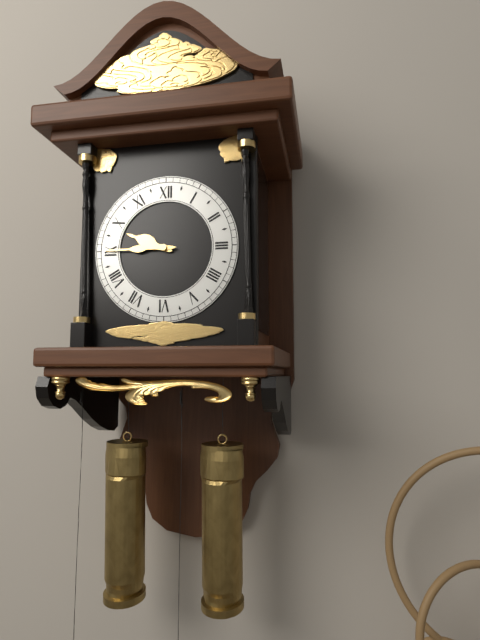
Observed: 9 h 45 min
